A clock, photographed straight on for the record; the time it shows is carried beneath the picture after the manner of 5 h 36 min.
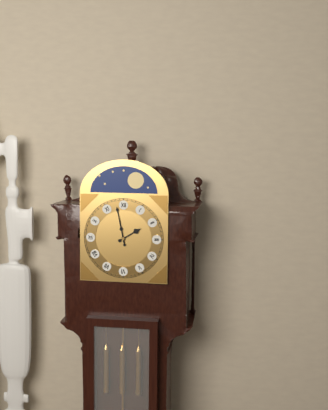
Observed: 1 h 58 min
